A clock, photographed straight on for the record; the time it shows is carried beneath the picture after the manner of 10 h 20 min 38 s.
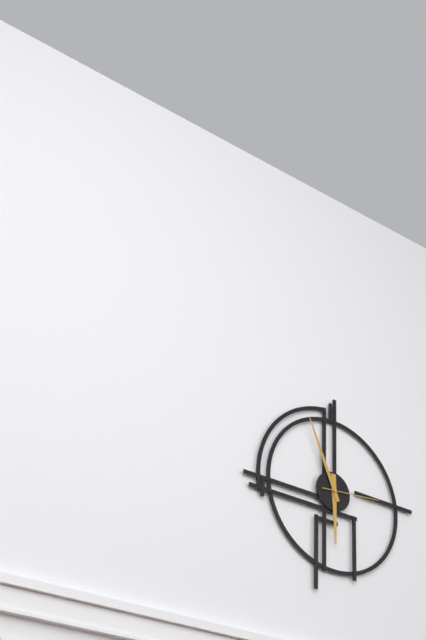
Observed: 5 h 56 min 14 s
